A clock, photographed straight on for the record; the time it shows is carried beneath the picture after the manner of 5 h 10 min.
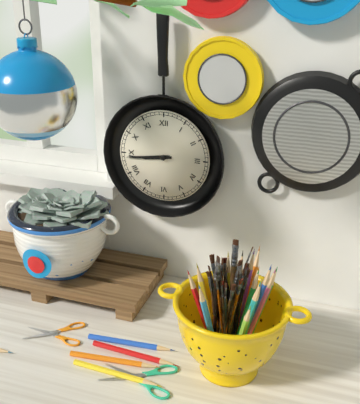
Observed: 8 h 44 min
